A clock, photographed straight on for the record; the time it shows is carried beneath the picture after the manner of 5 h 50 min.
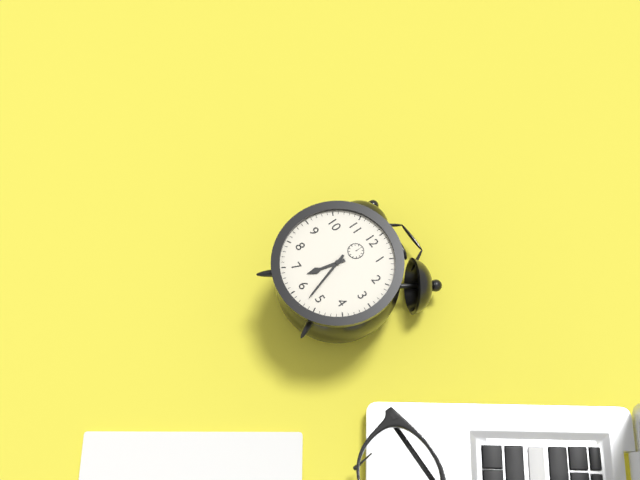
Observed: 6 h 27 min
